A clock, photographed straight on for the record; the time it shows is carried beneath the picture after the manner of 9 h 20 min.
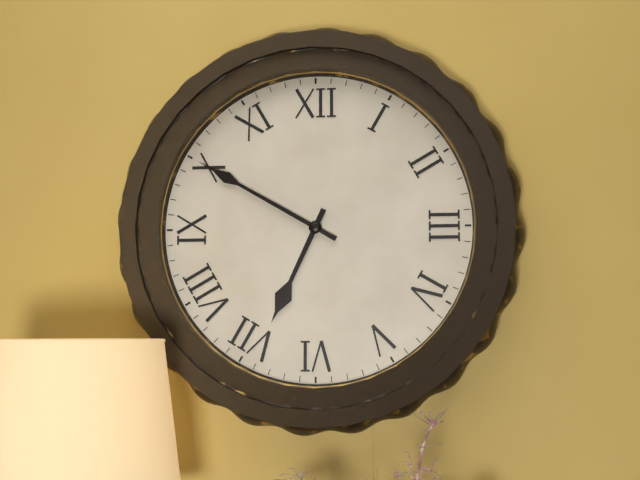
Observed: 6 h 50 min
